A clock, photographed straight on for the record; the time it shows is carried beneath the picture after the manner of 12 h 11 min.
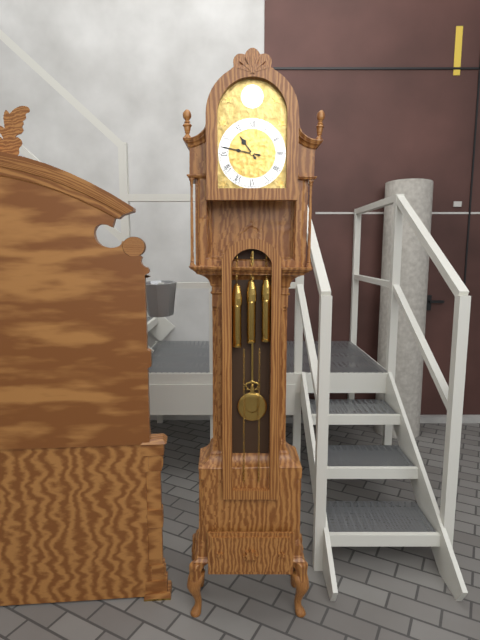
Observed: 10 h 47 min
